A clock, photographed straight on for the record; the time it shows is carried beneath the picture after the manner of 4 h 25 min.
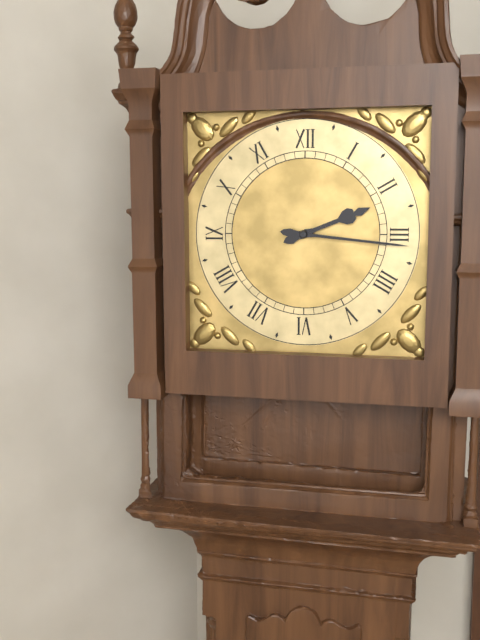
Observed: 2 h 16 min
